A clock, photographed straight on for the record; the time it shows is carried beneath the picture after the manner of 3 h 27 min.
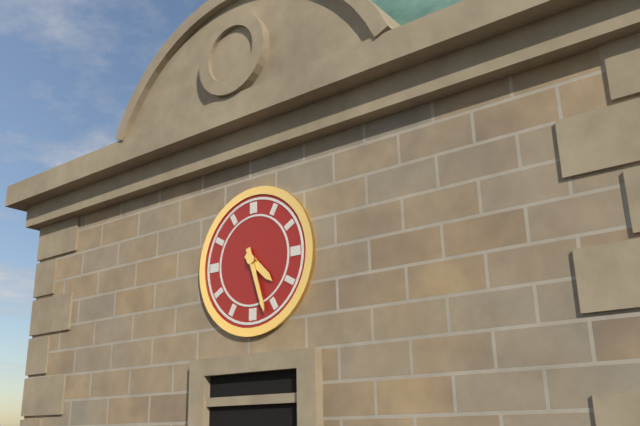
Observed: 4 h 27 min
